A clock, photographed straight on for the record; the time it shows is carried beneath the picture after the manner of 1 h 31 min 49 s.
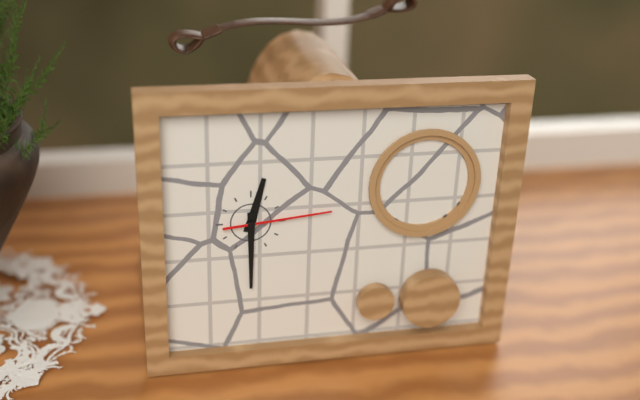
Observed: 12 h 30 min 14 s
